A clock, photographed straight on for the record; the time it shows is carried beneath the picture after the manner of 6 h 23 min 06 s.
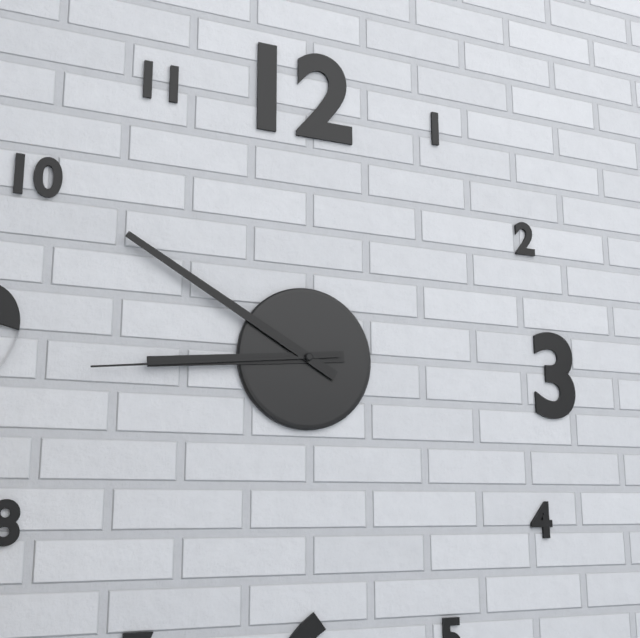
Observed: 8 h 50 min 44 s
